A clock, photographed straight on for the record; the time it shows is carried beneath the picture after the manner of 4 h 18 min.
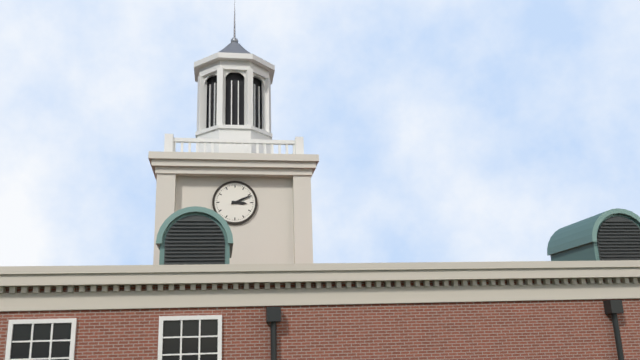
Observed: 3 h 11 min
